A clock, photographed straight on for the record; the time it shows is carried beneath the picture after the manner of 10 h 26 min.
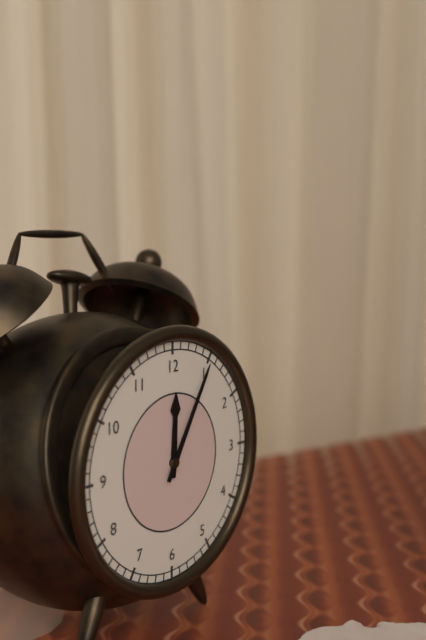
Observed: 12 h 05 min
